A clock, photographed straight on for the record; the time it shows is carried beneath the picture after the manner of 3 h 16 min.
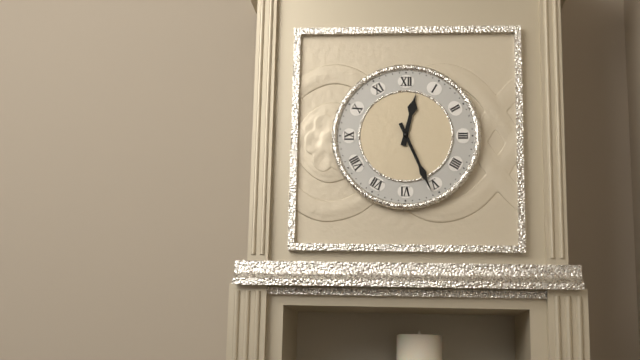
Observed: 12 h 26 min
